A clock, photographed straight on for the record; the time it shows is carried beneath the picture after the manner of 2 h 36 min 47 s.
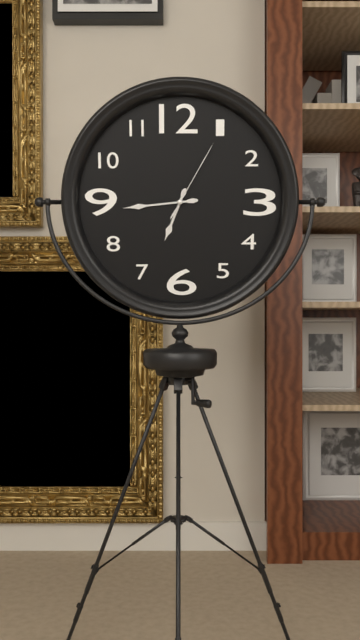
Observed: 6 h 44 min 05 s
